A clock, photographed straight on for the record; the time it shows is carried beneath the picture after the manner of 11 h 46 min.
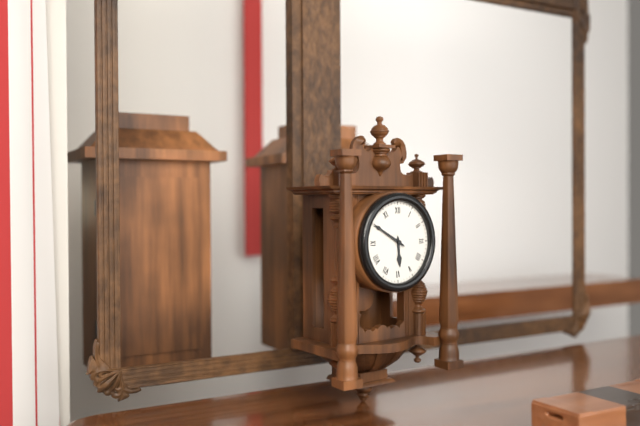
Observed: 5 h 50 min
